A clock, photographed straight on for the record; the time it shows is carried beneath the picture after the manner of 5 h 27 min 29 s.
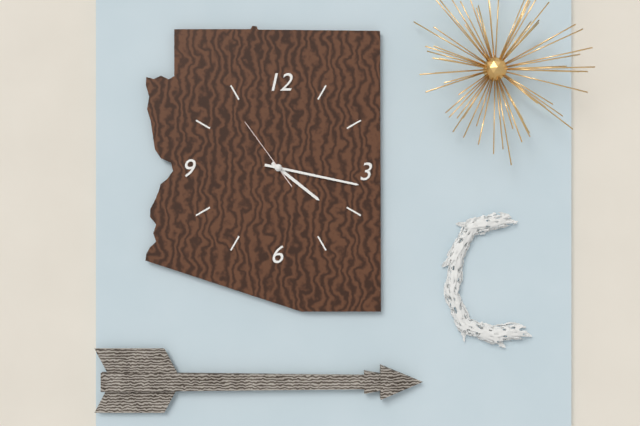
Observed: 4 h 17 min 54 s
